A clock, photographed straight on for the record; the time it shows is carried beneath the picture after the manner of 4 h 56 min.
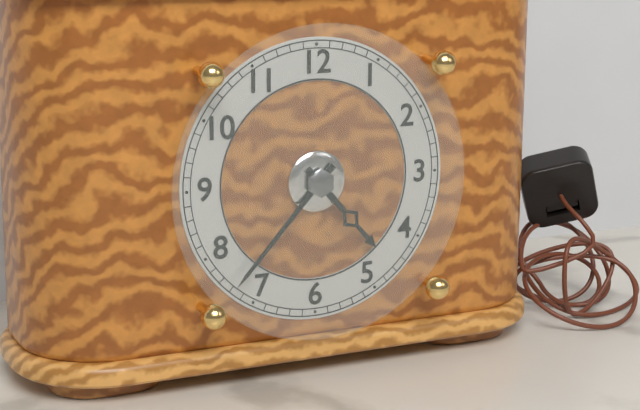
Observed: 4 h 37 min
